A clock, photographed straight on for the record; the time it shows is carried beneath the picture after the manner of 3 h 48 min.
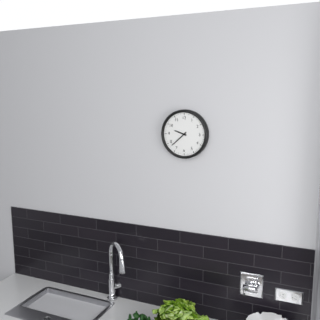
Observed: 9 h 38 min
